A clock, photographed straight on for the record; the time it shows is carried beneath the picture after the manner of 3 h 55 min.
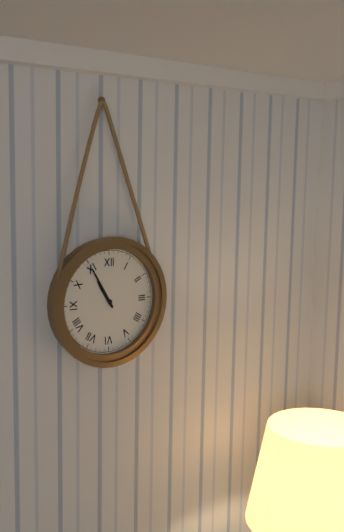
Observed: 10 h 55 min
